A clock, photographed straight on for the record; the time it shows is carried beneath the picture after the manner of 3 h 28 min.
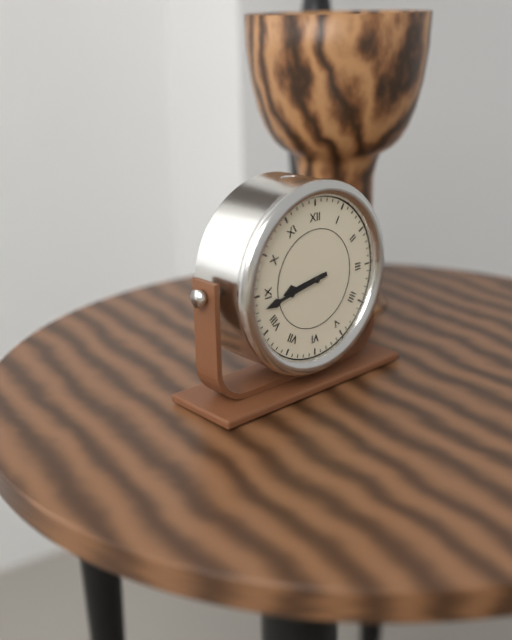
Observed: 8 h 43 min
